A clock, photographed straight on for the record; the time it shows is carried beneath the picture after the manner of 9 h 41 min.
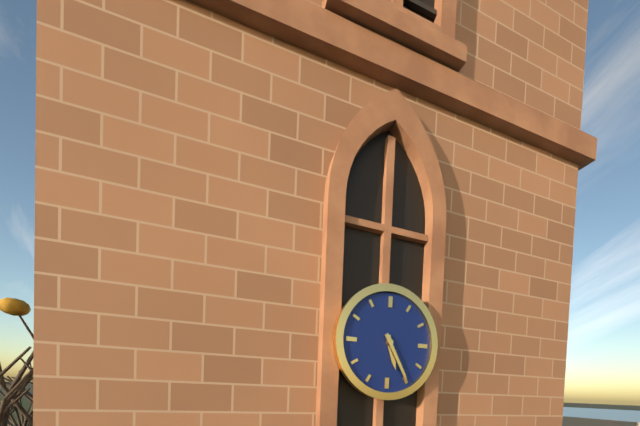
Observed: 5 h 25 min
